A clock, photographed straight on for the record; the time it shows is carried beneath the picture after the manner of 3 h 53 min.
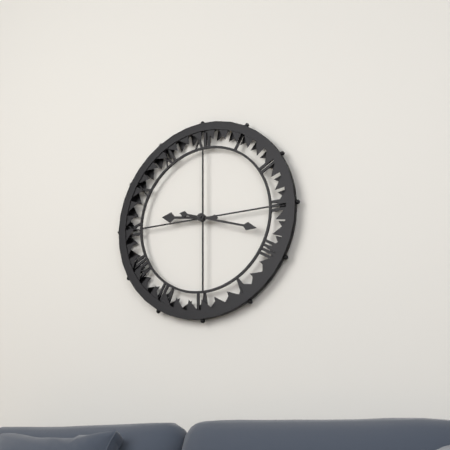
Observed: 9 h 18 min
